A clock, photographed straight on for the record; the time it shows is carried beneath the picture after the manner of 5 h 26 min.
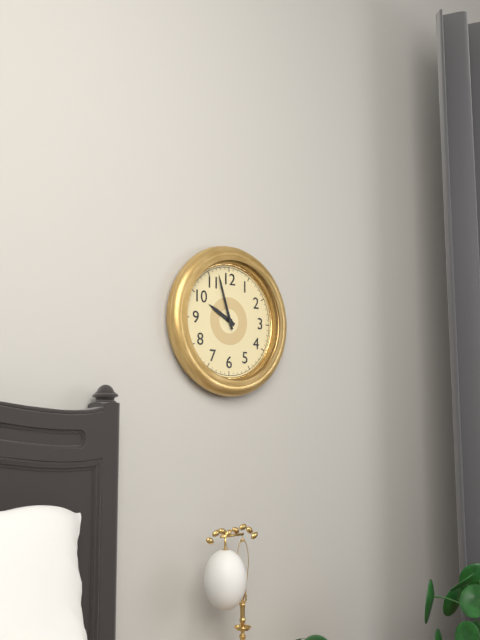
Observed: 9 h 57 min
